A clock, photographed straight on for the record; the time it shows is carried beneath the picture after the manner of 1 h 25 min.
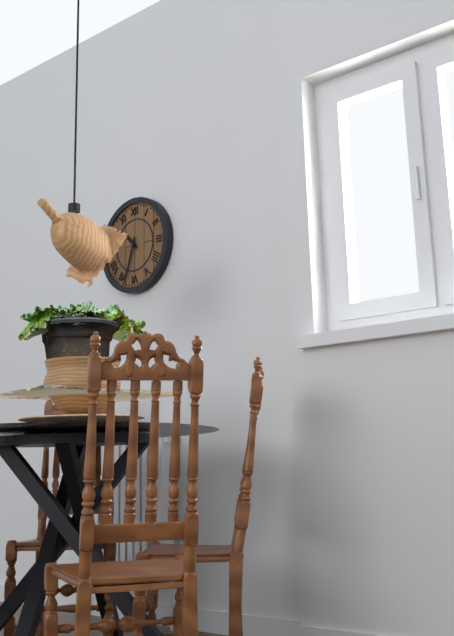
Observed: 10 h 33 min
